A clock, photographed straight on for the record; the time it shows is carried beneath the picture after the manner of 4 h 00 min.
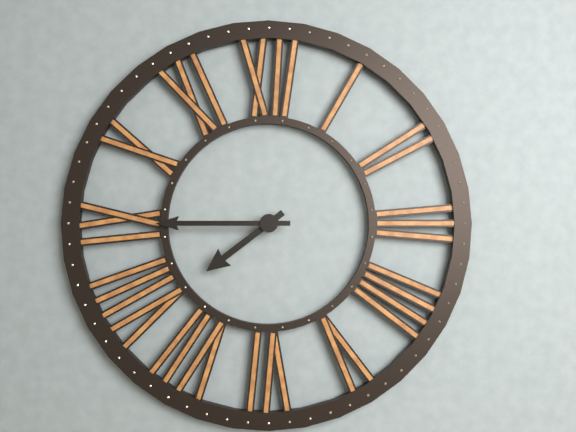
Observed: 7 h 45 min
